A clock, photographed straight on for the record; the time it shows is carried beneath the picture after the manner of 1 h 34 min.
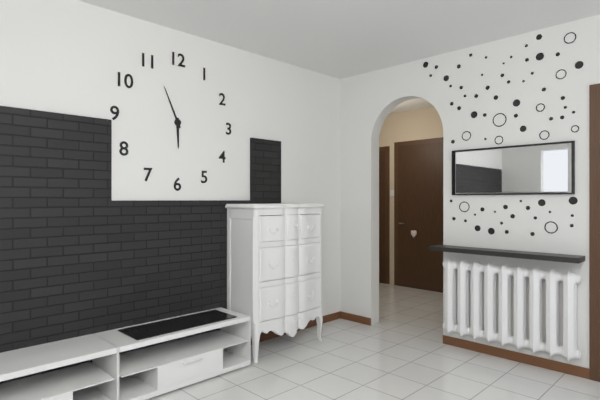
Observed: 5 h 56 min
